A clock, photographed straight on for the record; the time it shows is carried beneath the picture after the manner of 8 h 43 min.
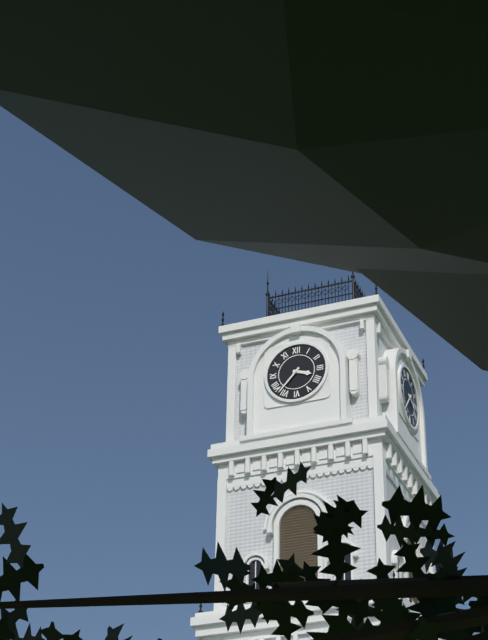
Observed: 3 h 37 min
